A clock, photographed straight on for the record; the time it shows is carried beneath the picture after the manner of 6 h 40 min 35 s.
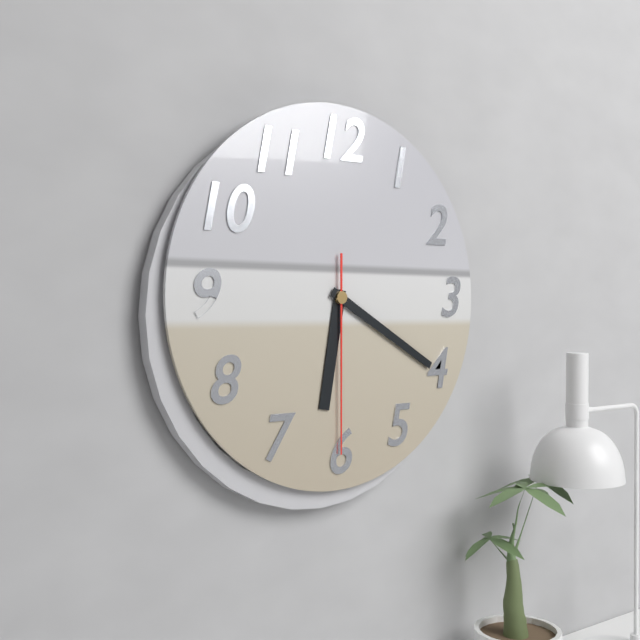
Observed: 6 h 20 min 30 s
